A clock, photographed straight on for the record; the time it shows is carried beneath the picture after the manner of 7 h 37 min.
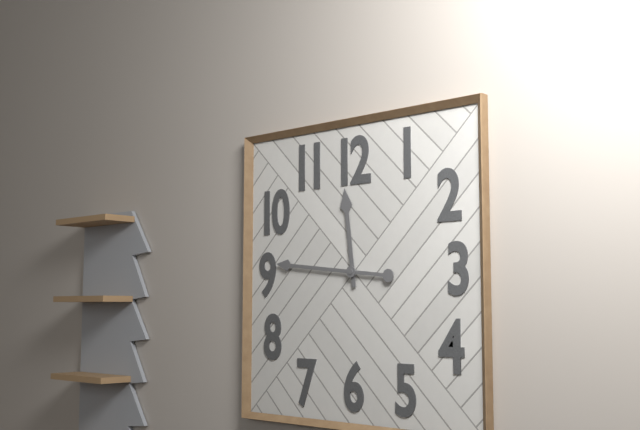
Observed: 11 h 46 min
